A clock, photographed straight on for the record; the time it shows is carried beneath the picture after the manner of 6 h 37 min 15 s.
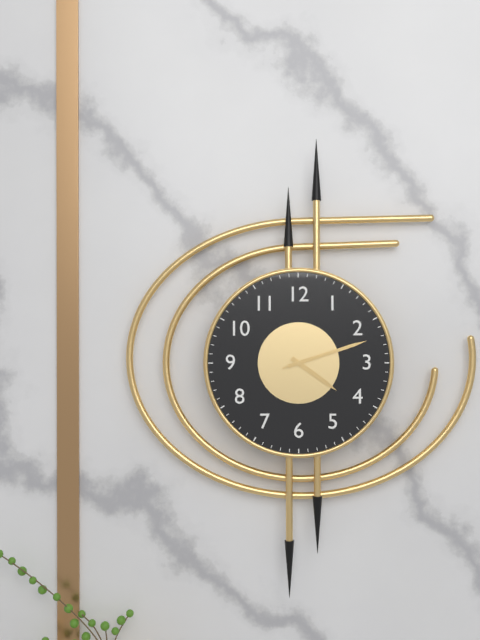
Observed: 4 h 12 min 12 s
